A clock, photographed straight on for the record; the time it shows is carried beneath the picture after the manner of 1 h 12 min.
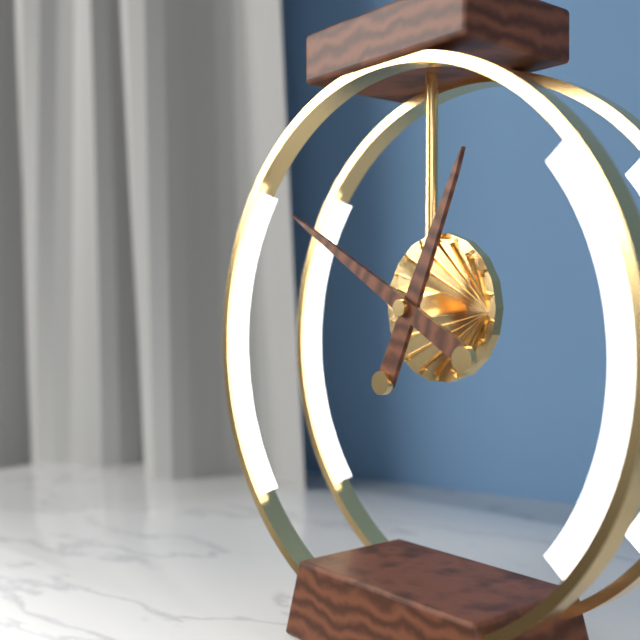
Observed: 12 h 50 min
